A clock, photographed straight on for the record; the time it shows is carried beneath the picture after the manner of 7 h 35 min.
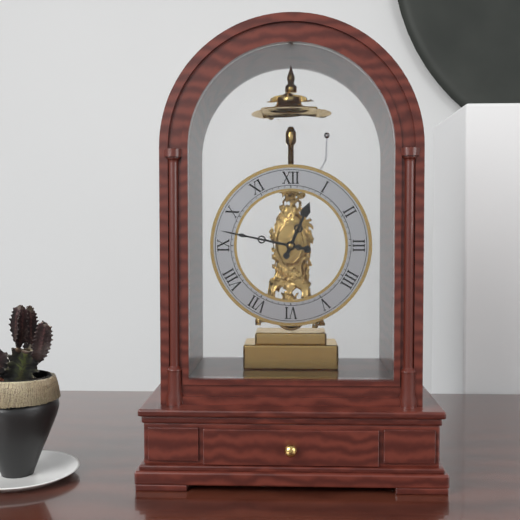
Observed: 12 h 47 min
